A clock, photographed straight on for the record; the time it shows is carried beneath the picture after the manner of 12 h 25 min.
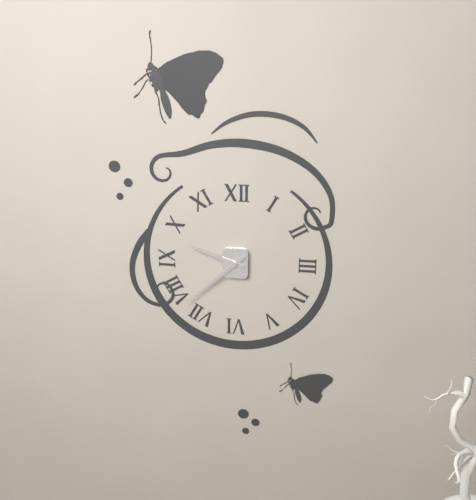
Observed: 9 h 38 min
